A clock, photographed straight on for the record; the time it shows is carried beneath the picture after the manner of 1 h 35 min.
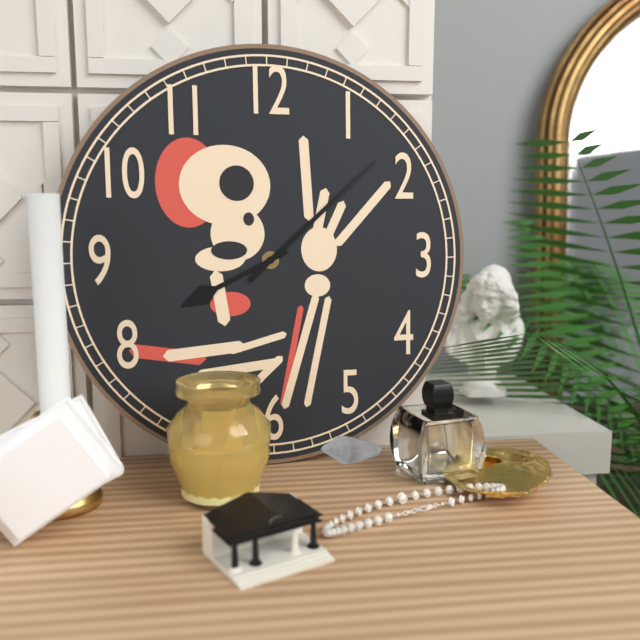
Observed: 8 h 08 min
